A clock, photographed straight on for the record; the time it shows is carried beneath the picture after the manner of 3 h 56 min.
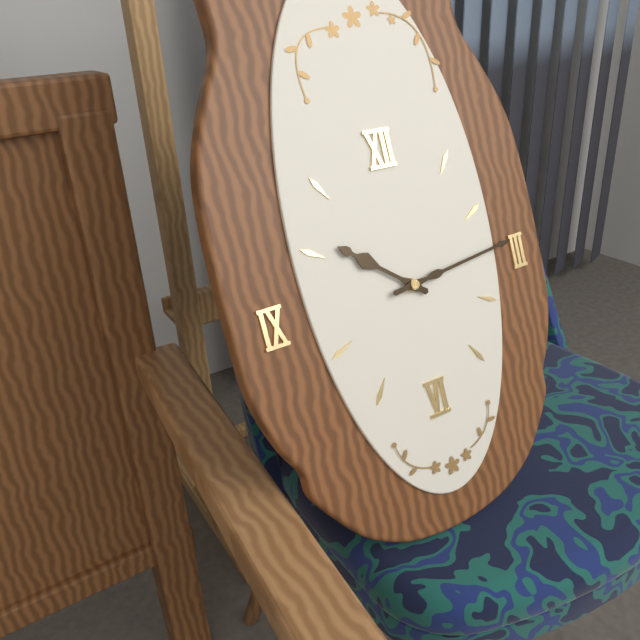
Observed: 10 h 14 min
